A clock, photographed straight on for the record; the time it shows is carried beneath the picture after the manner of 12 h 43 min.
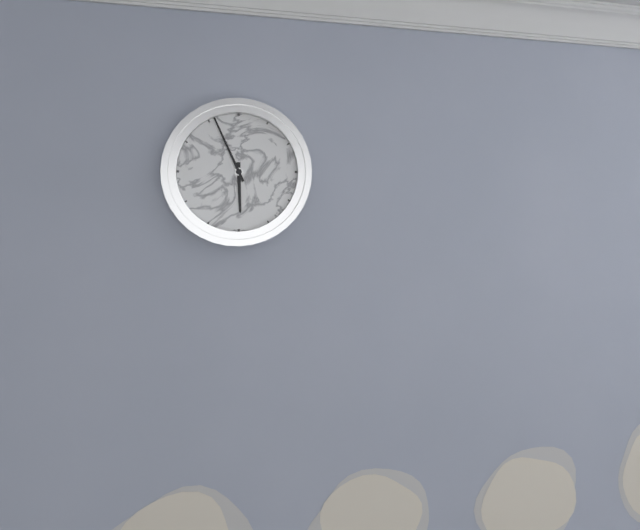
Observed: 5 h 56 min
